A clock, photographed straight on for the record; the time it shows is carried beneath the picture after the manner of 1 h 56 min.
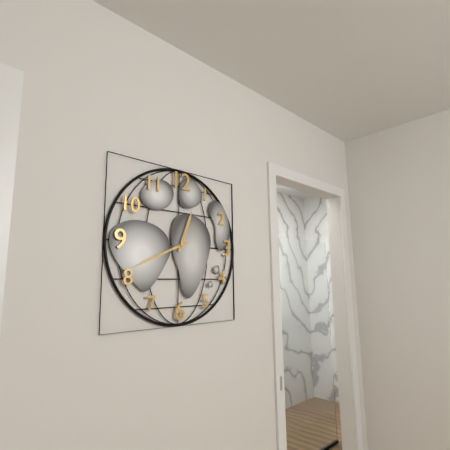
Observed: 12 h 41 min
